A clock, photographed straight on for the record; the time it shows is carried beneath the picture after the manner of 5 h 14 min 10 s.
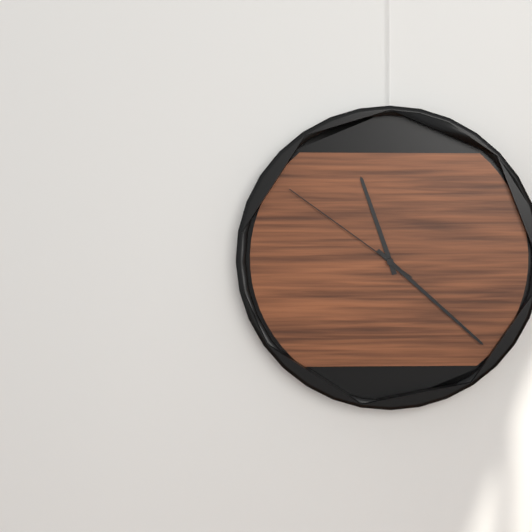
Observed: 11 h 22 min 51 s
